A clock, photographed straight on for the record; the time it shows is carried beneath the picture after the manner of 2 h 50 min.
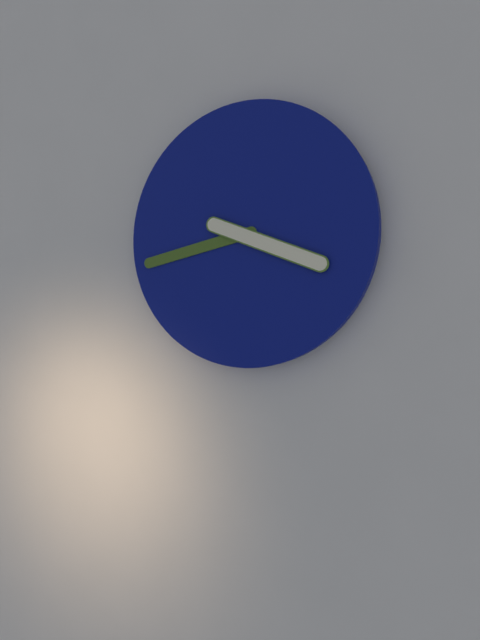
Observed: 3 h 43 min
